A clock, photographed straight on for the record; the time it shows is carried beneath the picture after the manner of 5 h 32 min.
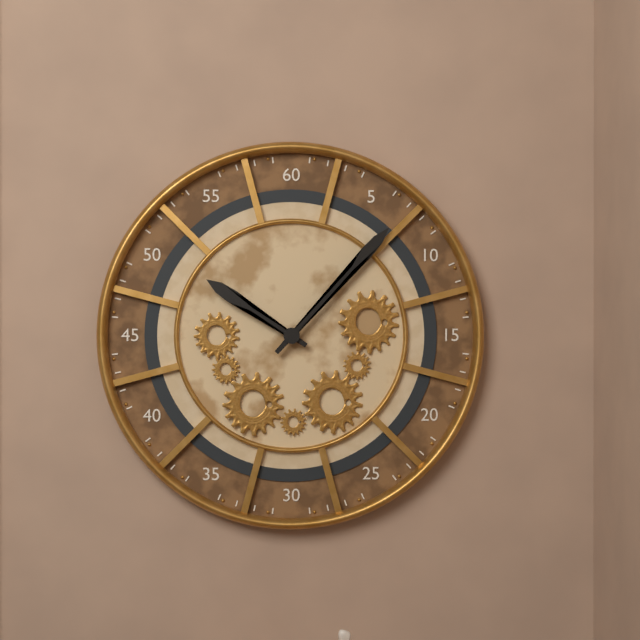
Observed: 10 h 07 min
